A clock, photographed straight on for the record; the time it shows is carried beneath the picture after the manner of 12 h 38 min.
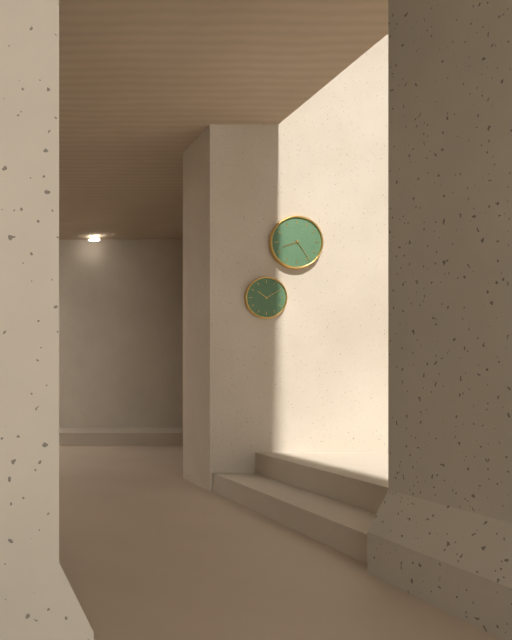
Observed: 8 h 24 min
